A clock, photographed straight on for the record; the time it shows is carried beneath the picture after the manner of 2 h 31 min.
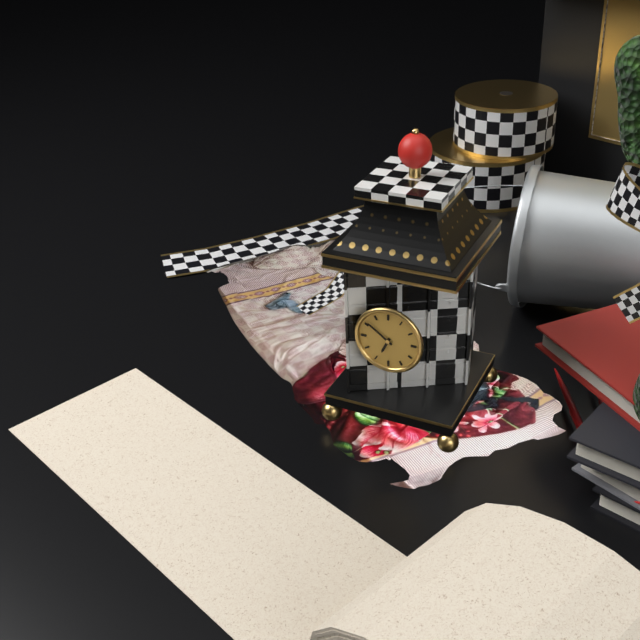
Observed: 6 h 51 min
